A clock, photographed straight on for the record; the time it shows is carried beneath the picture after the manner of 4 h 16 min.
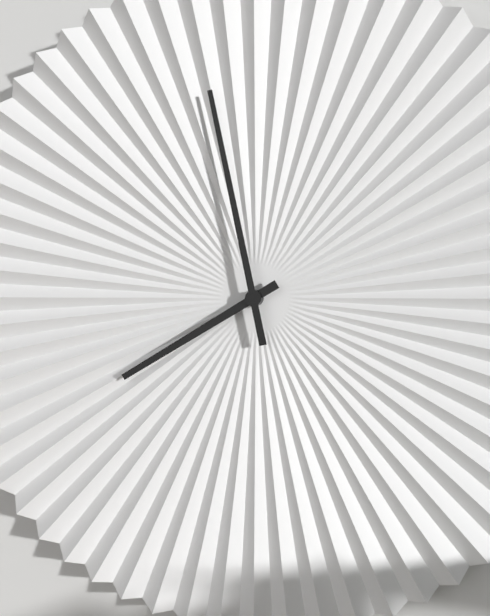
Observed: 7 h 58 min
